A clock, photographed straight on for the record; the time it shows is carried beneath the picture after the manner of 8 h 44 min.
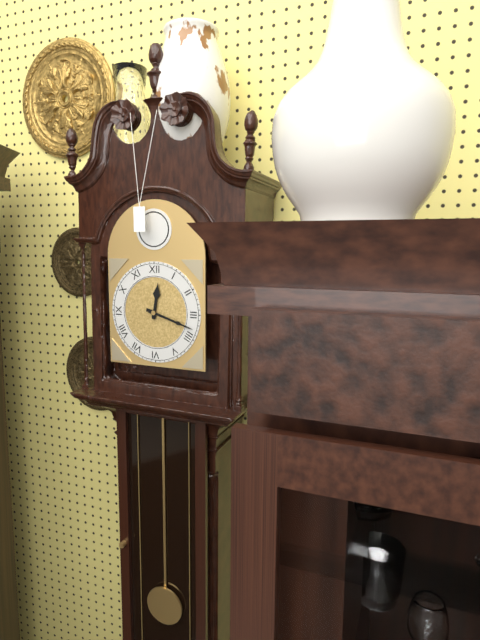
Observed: 12 h 18 min
